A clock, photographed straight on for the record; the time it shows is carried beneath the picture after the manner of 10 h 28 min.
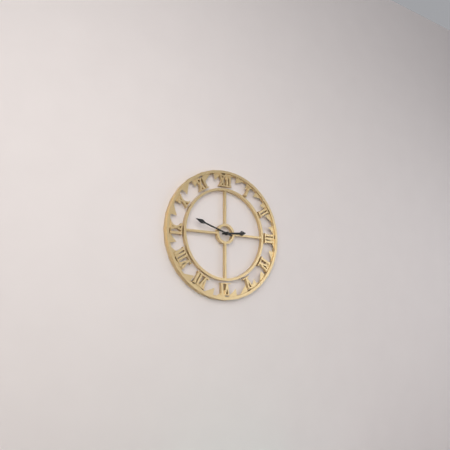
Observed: 2 h 48 min
